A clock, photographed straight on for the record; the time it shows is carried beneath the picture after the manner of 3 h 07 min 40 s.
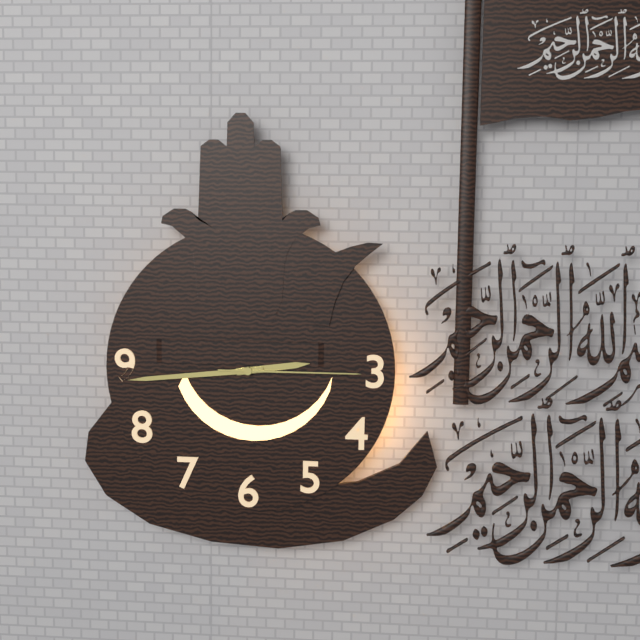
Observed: 2 h 44 min 15 s
